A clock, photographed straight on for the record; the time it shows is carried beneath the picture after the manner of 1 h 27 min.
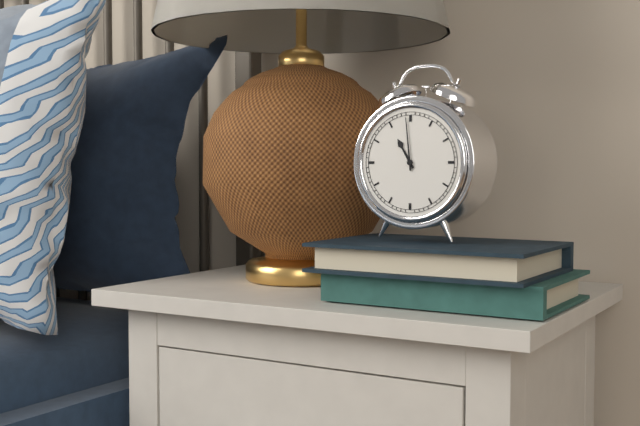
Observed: 10 h 59 min
